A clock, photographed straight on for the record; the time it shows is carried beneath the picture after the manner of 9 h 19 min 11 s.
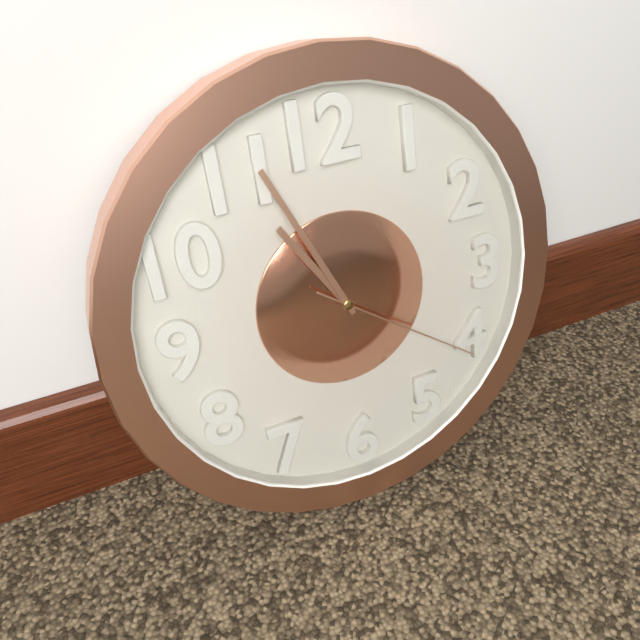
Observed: 10 h 56 min 21 s
